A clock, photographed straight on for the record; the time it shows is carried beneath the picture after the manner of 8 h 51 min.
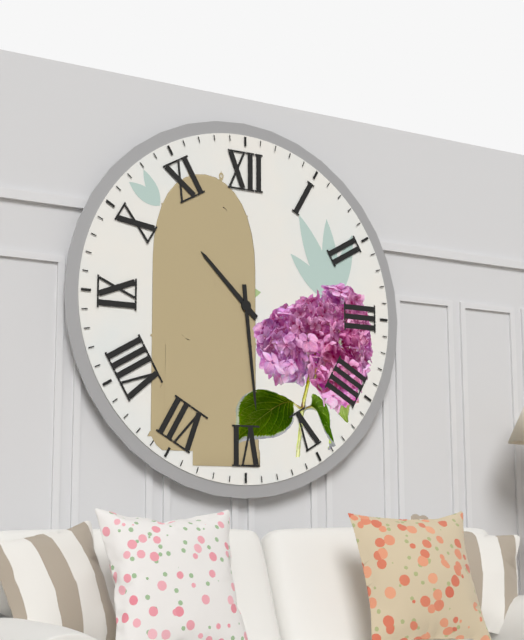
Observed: 10 h 29 min
